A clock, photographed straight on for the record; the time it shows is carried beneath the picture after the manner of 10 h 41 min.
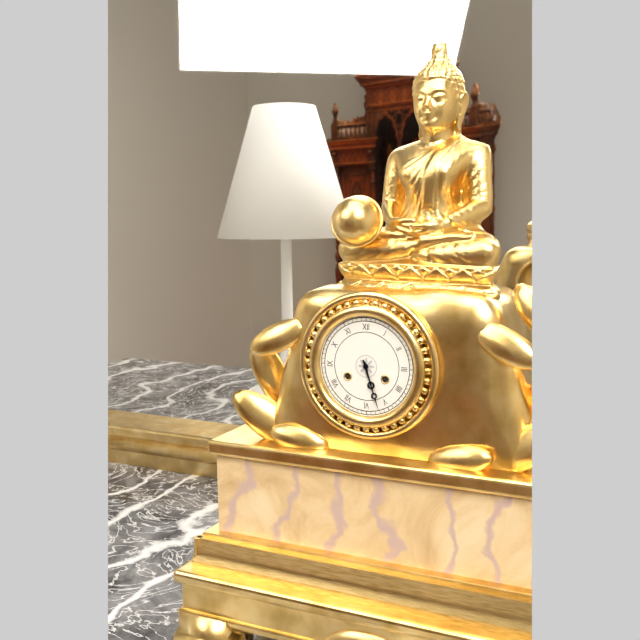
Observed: 5 h 27 min
